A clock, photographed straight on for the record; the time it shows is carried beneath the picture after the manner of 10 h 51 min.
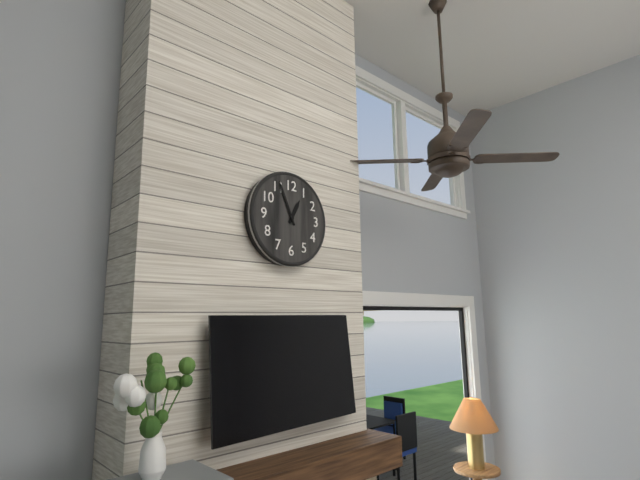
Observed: 12 h 56 min
